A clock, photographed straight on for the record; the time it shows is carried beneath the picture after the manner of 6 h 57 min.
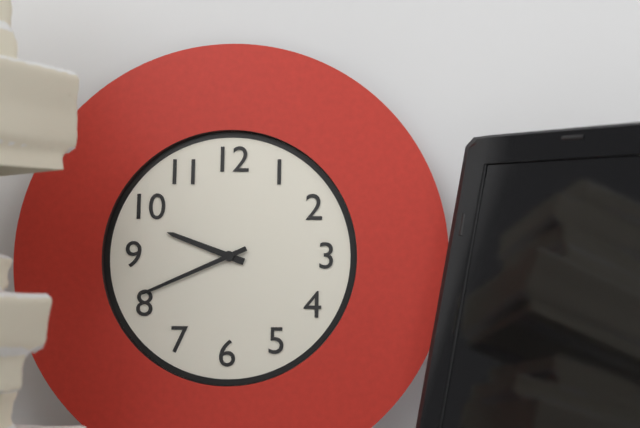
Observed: 9 h 41 min
